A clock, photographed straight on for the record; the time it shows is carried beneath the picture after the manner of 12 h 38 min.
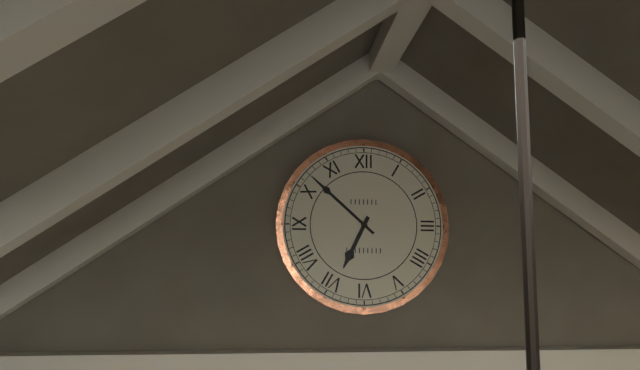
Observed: 6 h 52 min
